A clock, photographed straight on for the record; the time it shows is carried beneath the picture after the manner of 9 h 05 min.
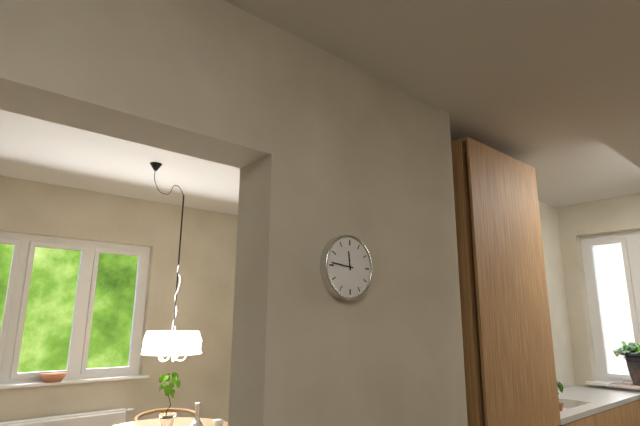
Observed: 11 h 46 min
